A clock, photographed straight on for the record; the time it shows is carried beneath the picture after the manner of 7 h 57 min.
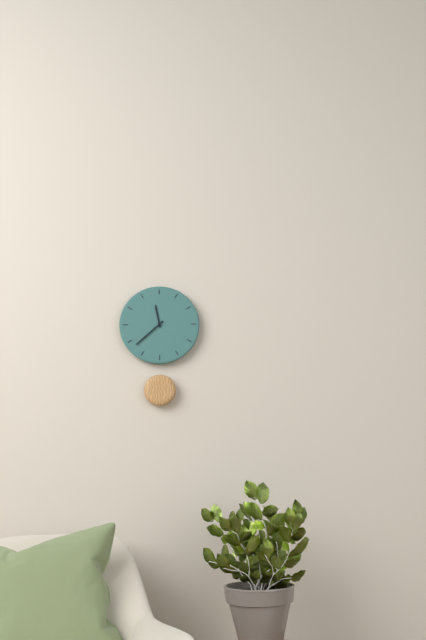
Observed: 11 h 38 min
